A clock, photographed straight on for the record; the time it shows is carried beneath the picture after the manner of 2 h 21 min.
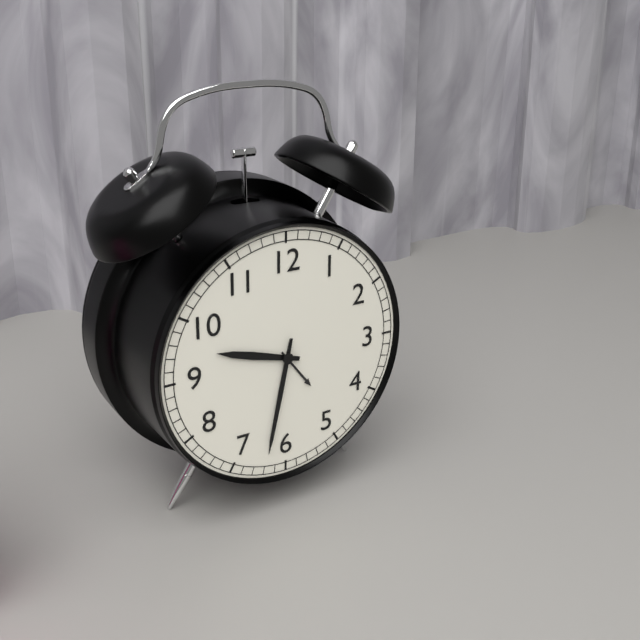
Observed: 9 h 32 min
